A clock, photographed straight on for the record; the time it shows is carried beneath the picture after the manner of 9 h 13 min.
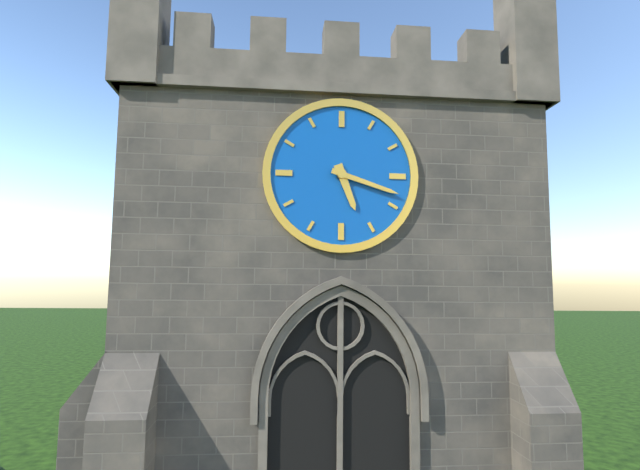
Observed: 5 h 18 min
